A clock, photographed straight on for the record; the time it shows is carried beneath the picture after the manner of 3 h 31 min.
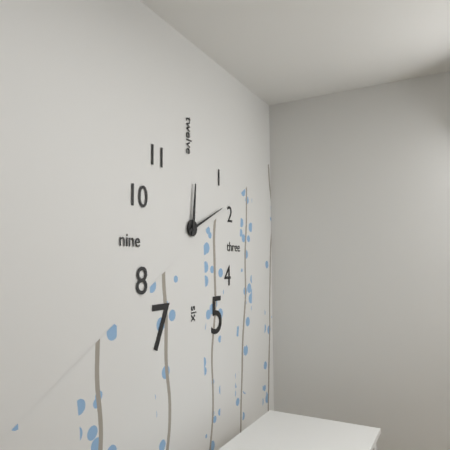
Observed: 12 h 11 min
